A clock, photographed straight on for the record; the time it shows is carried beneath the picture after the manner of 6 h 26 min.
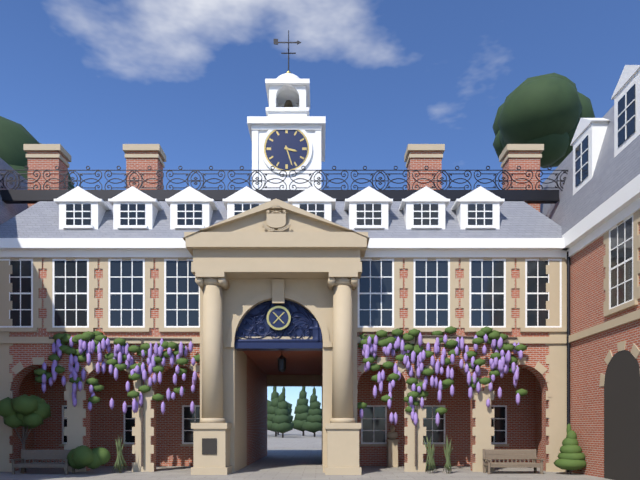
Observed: 3 h 27 min
